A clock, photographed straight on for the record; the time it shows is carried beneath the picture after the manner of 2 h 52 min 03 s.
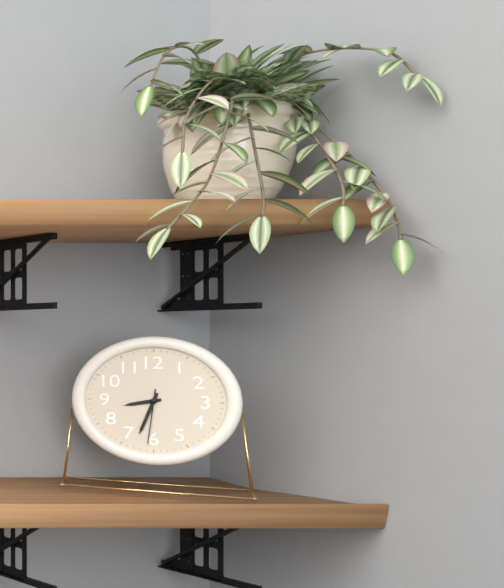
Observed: 8 h 33 min 31 s
